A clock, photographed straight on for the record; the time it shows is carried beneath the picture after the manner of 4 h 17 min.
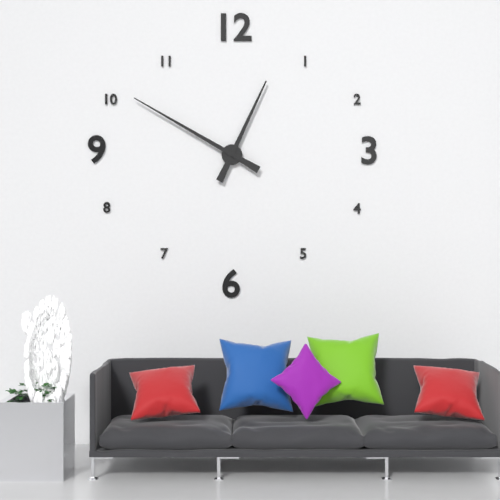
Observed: 12 h 50 min
